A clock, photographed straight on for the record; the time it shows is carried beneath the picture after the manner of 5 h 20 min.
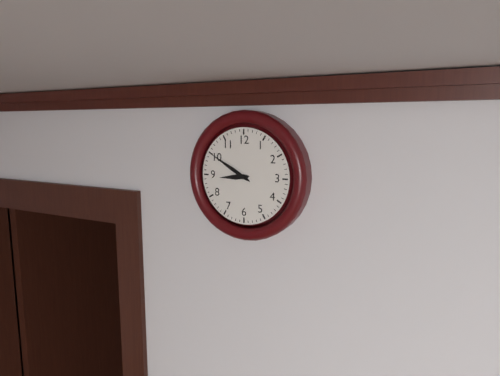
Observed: 8 h 50 min
